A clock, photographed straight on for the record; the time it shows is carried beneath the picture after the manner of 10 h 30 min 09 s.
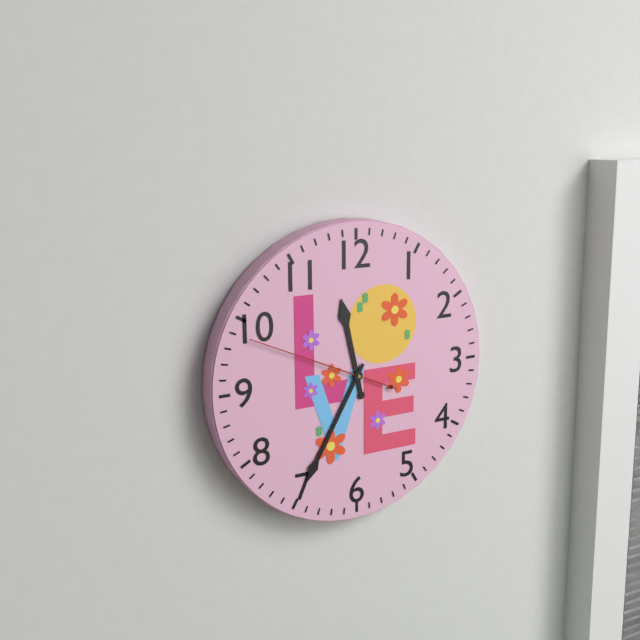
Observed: 11 h 35 min 49 s
